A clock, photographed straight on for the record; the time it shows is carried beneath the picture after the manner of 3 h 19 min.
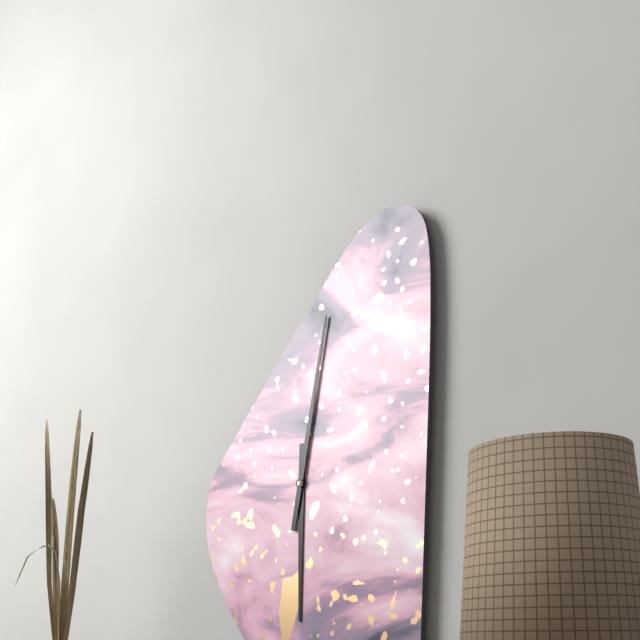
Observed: 6 h 02 min
